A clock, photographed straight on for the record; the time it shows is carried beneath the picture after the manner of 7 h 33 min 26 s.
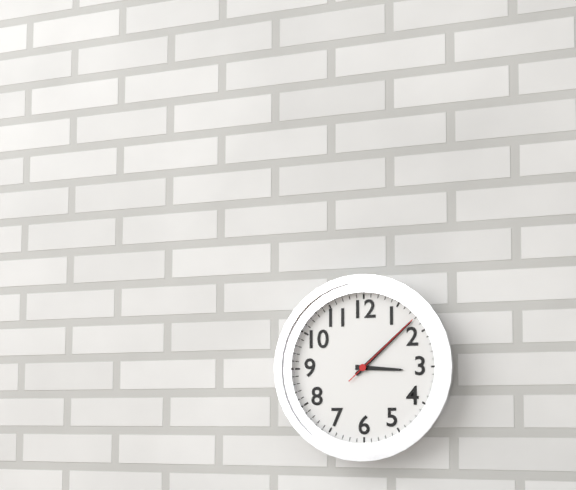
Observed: 3 h 08 min 08 s
